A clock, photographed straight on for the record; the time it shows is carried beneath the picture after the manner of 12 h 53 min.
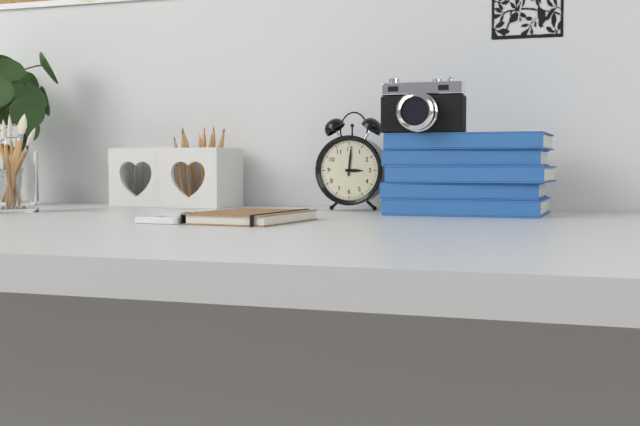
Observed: 3 h 01 min
